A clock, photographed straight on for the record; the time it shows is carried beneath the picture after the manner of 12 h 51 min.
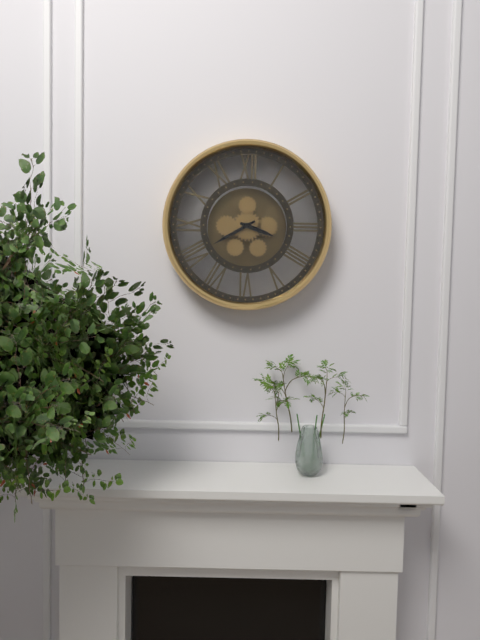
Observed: 3 h 40 min
